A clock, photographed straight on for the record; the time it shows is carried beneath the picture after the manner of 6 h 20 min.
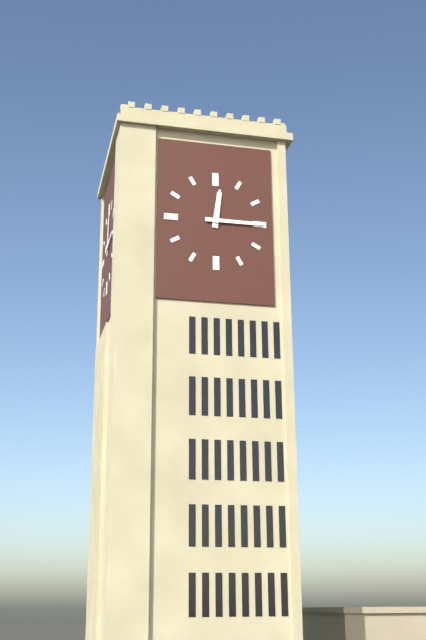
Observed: 12 h 15 min
